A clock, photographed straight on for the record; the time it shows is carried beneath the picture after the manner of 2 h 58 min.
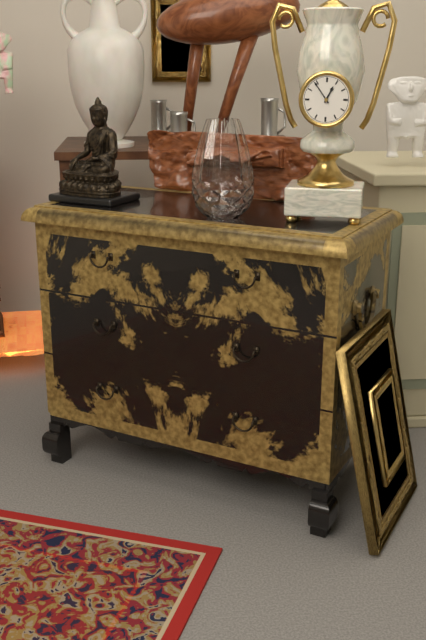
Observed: 12 h 54 min
